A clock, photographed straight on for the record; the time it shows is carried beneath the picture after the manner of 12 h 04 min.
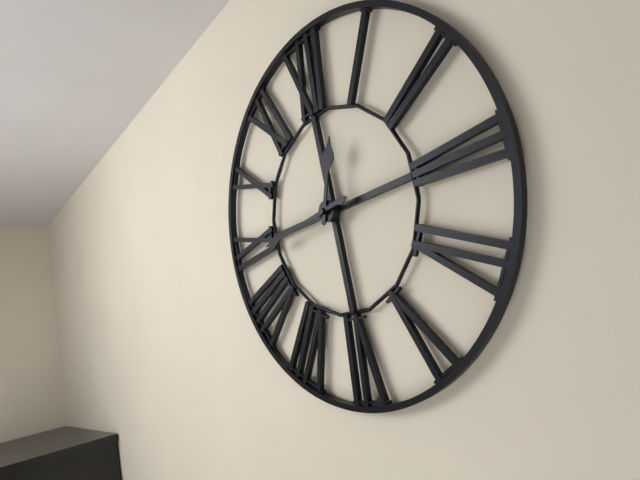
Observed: 12 h 44 min
